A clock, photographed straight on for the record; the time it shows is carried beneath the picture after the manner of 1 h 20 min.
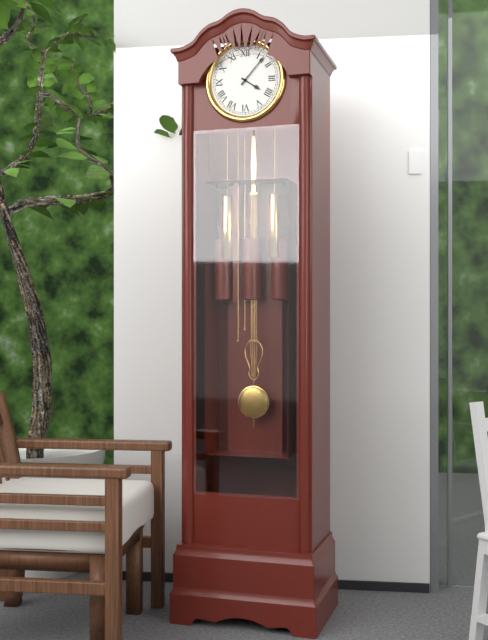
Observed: 4 h 07 min
